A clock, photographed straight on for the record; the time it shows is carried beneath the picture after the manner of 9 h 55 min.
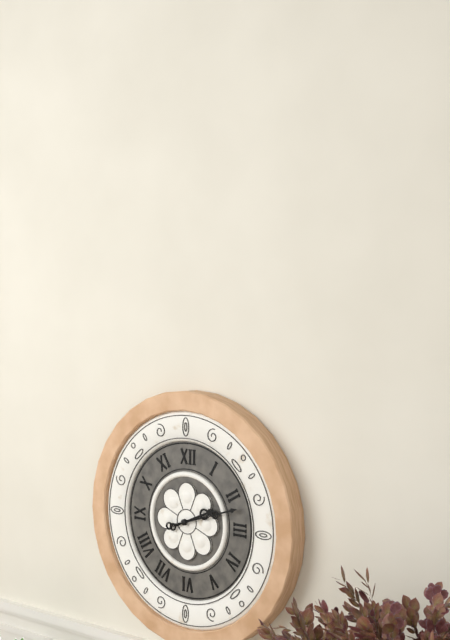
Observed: 2 h 12 min
